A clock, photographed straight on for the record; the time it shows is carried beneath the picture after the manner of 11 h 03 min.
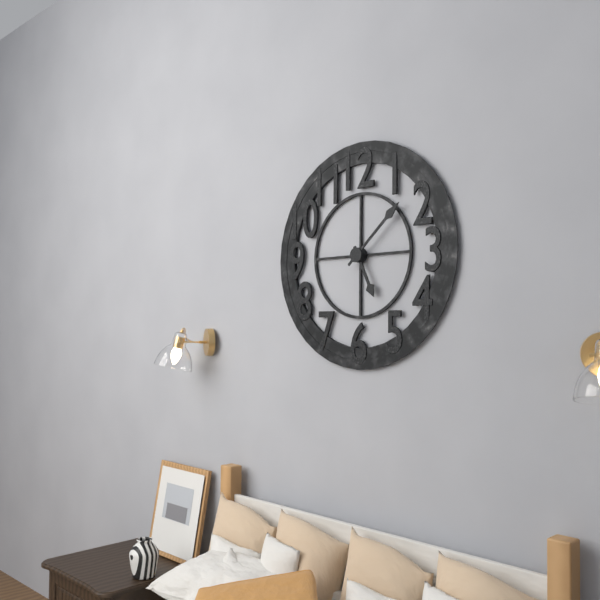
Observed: 5 h 08 min
